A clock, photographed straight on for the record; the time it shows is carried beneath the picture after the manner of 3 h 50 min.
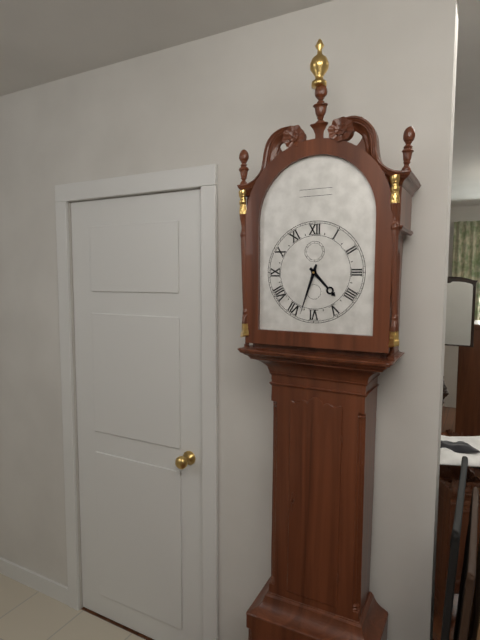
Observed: 4 h 33 min
